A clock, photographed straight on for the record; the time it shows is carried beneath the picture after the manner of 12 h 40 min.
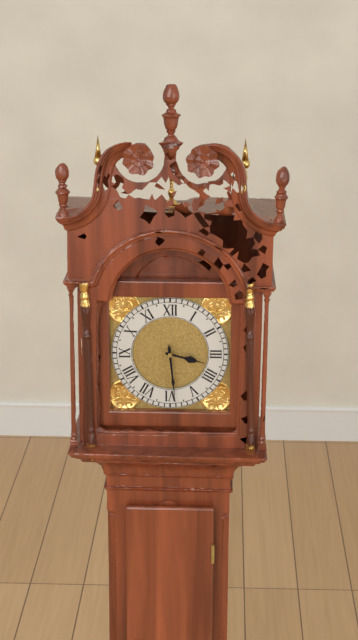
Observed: 3 h 29 min
